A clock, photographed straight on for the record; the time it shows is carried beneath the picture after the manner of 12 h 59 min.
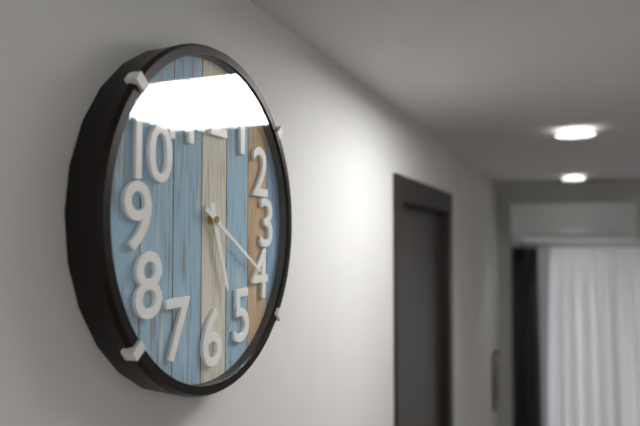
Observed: 5 h 20 min
